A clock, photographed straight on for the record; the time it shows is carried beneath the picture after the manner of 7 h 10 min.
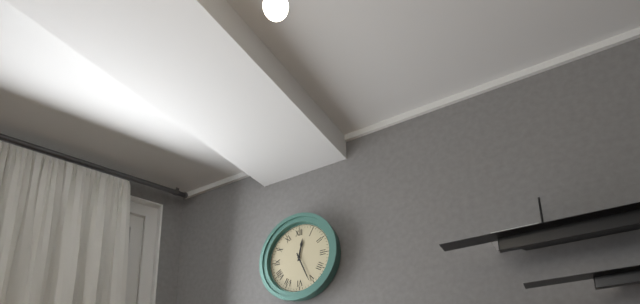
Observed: 12 h 26 min
